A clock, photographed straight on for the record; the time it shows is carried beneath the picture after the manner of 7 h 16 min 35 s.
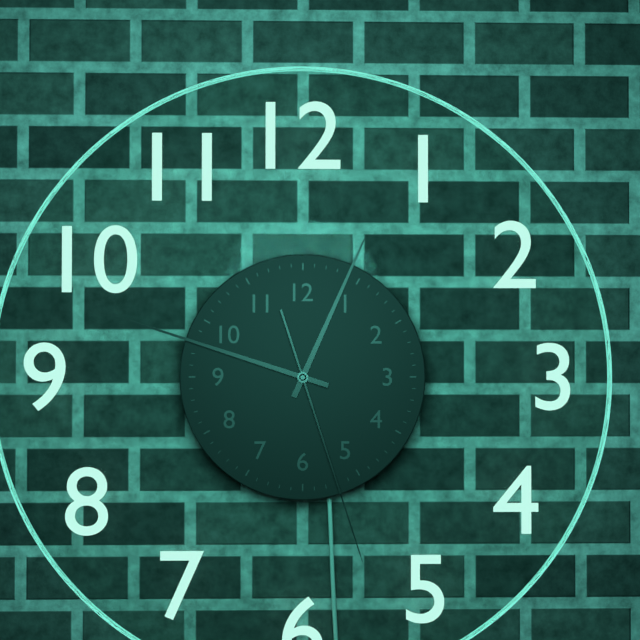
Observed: 12 h 48 min 27 s
